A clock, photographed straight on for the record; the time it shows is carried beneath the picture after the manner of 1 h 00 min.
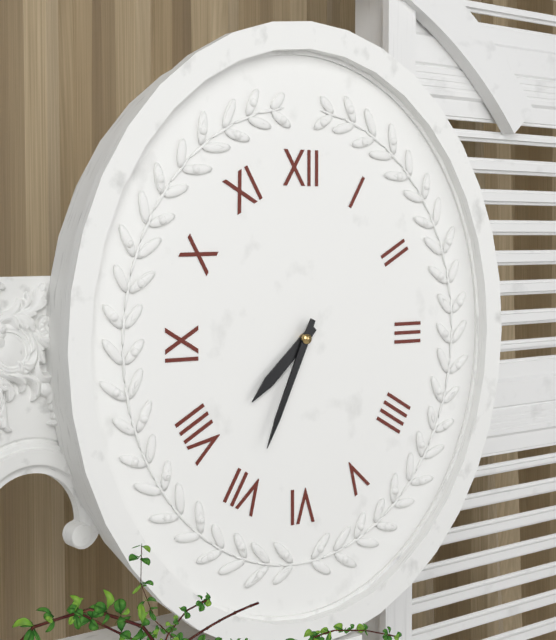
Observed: 7 h 34 min
